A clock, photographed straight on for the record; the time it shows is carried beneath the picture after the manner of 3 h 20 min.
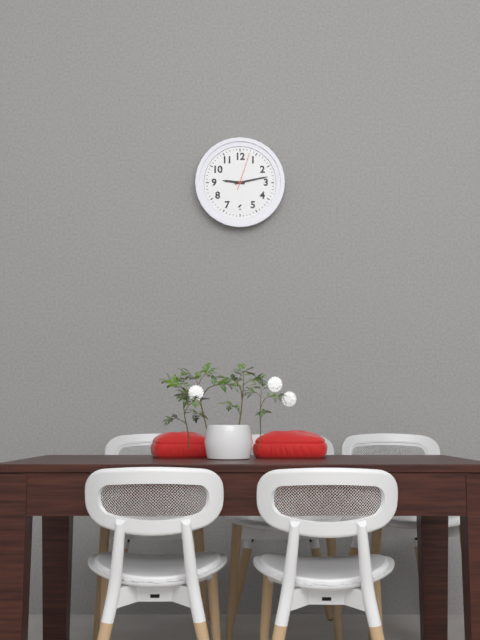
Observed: 9 h 13 min
